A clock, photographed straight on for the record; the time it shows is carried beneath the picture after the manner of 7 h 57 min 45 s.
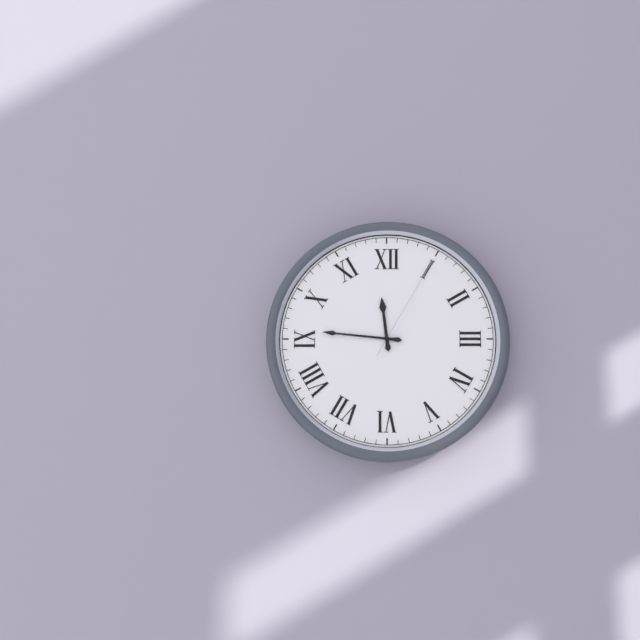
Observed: 11 h 46 min 05 s
